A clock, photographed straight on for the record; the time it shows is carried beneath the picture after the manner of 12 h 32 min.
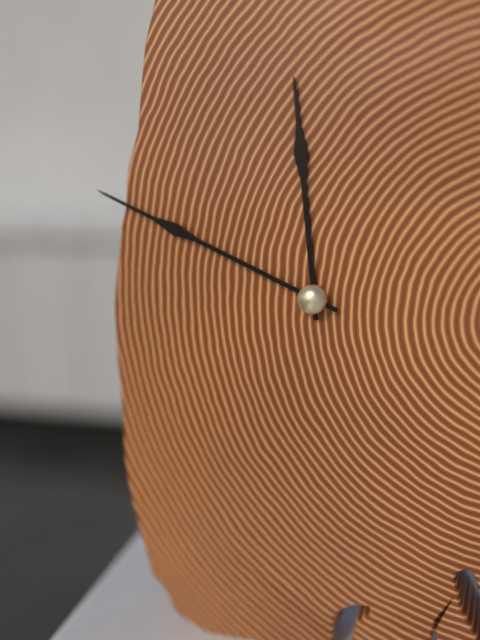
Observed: 11 h 49 min
